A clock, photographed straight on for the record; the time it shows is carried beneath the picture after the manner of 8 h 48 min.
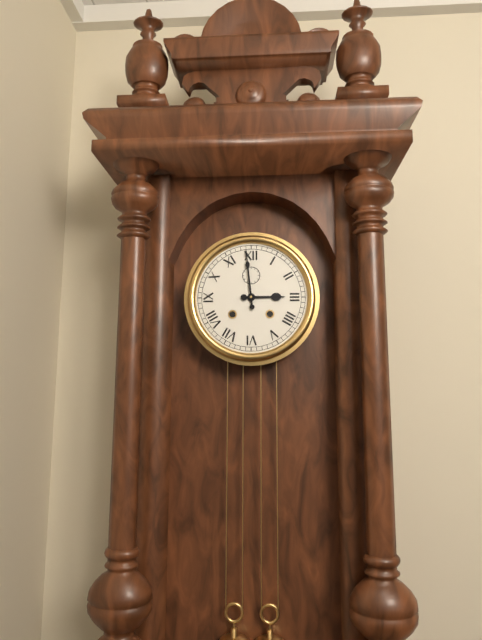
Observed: 2 h 59 min
